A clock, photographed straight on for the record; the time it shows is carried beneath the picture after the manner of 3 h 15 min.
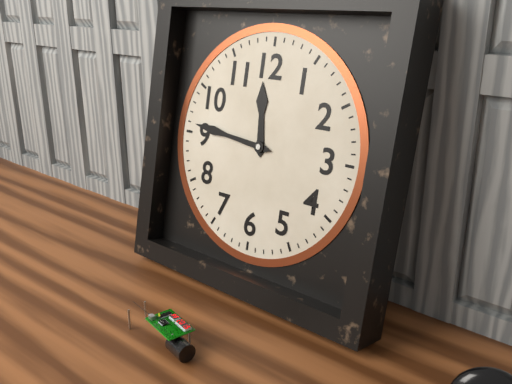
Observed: 11 h 46 min
